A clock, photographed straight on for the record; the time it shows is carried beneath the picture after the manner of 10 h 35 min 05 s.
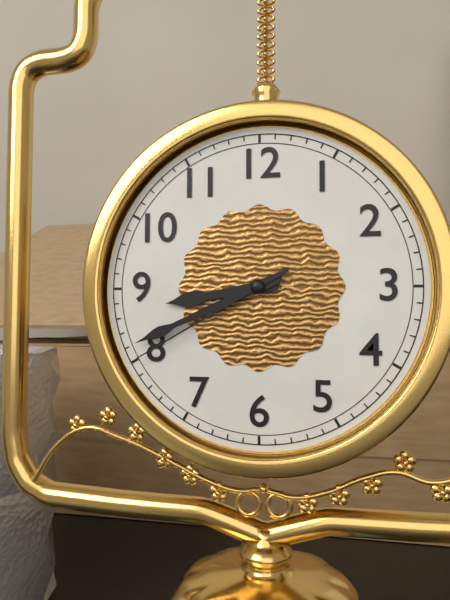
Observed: 8 h 41 min 40 s
